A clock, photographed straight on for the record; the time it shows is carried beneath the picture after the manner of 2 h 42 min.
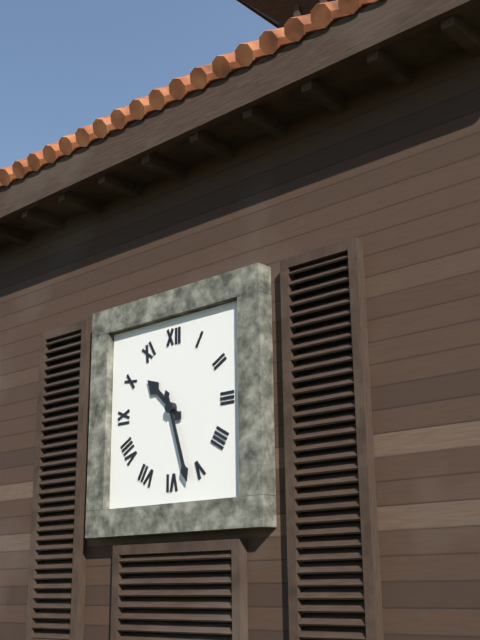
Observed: 10 h 27 min
